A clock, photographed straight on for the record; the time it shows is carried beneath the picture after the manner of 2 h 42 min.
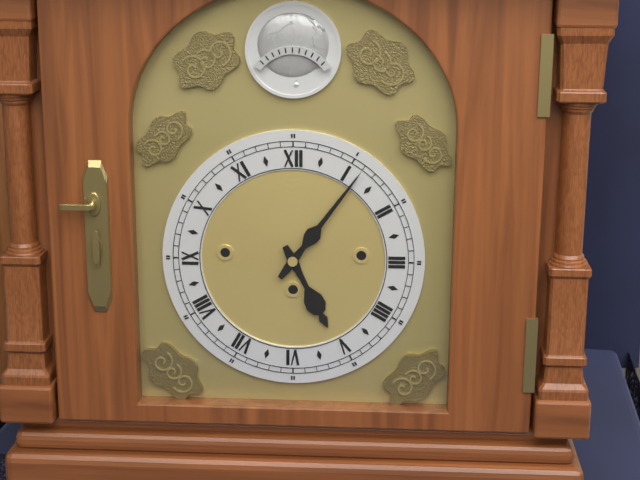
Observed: 5 h 06 min
